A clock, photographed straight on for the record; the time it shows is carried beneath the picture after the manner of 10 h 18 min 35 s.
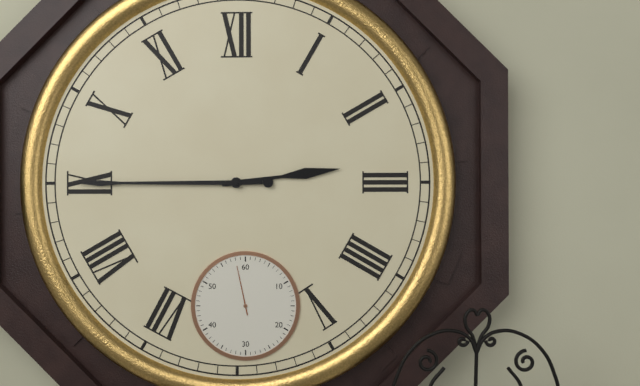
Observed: 2 h 45 min 58 s
